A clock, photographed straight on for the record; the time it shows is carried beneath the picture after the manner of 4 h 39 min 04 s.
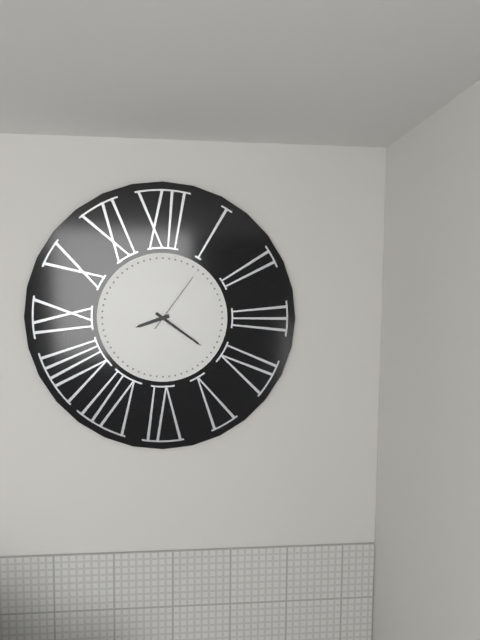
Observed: 8 h 21 min 06 s
